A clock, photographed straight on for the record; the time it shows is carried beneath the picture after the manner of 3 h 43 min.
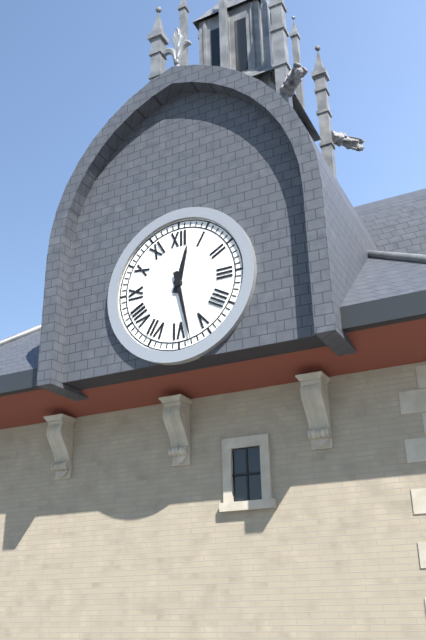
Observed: 12 h 28 min
